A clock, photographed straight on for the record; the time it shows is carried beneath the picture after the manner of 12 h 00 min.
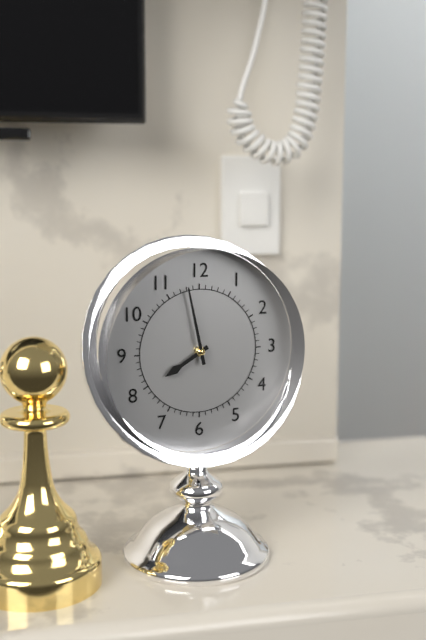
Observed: 7 h 58 min
